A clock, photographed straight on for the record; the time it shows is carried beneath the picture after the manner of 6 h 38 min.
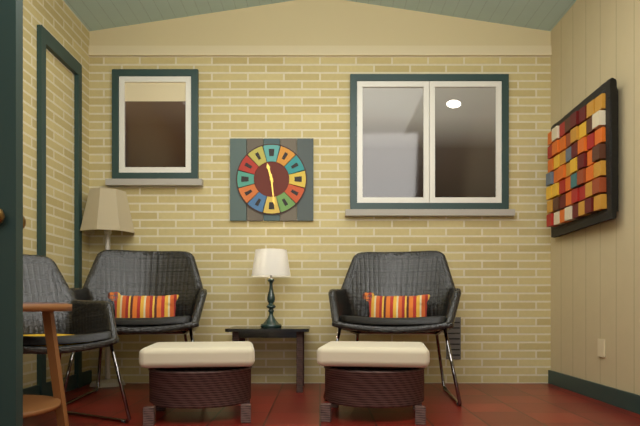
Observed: 11 h 29 min
